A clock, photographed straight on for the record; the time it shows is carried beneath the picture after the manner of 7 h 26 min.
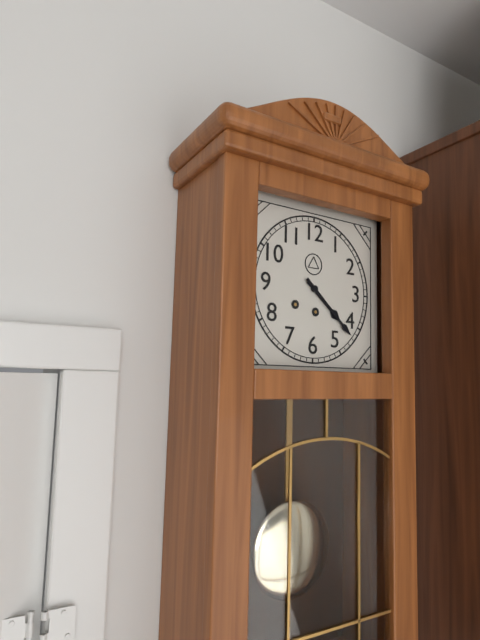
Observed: 4 h 22 min
